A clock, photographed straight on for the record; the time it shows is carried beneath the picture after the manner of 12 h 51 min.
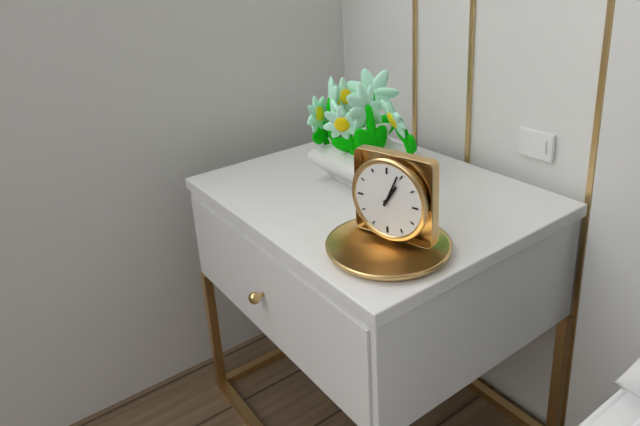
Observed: 1 h 04 min
